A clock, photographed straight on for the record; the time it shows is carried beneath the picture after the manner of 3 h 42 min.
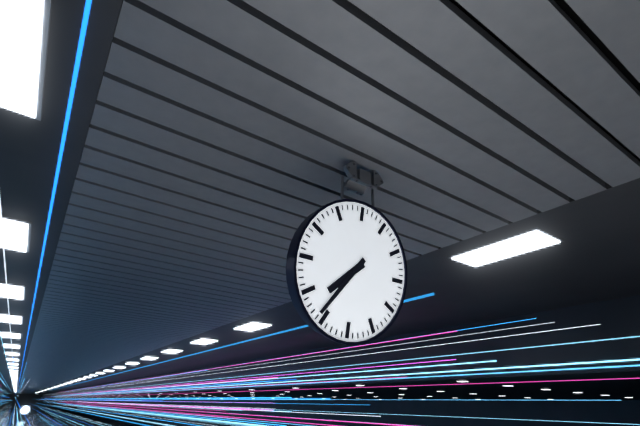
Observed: 7 h 36 min
